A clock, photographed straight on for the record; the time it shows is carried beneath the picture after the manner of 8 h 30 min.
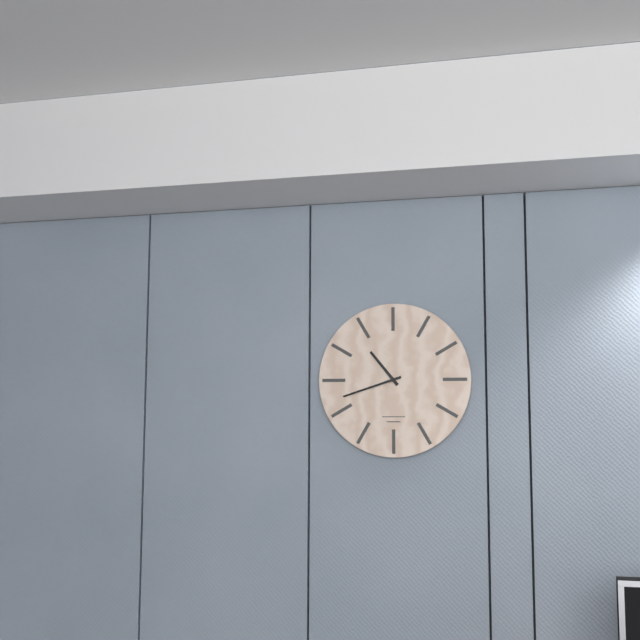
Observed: 10 h 42 min
